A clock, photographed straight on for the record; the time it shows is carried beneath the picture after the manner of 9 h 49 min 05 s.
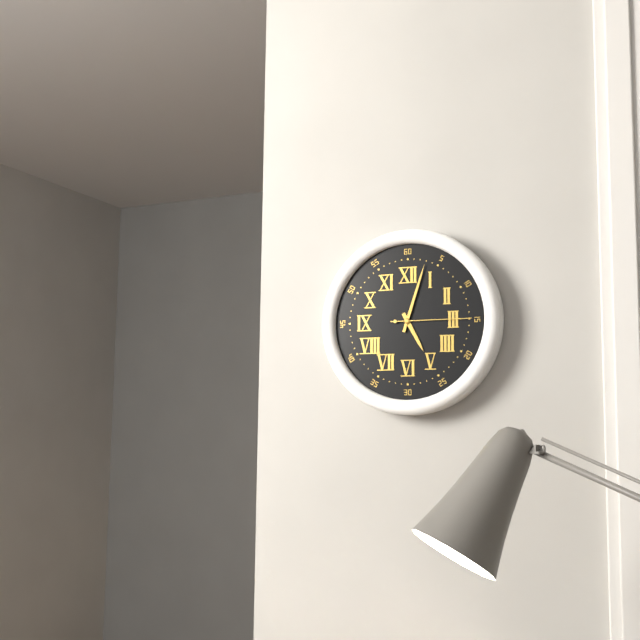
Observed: 5 h 03 min 15 s
